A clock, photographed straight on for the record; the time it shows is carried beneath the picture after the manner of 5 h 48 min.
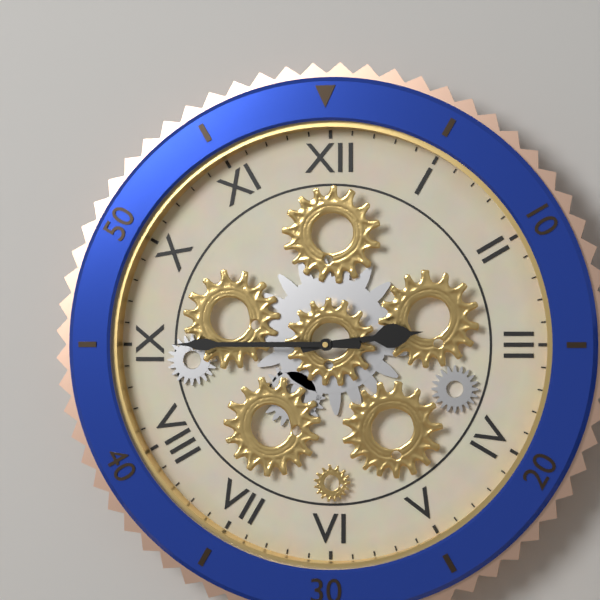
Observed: 2 h 45 min
